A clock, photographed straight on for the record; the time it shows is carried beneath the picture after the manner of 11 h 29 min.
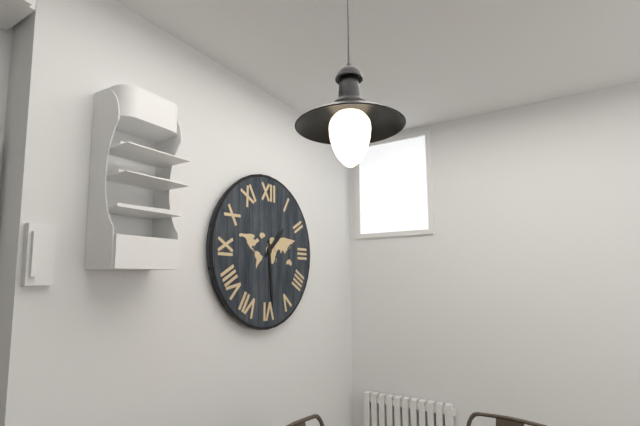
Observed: 1 h 29 min
